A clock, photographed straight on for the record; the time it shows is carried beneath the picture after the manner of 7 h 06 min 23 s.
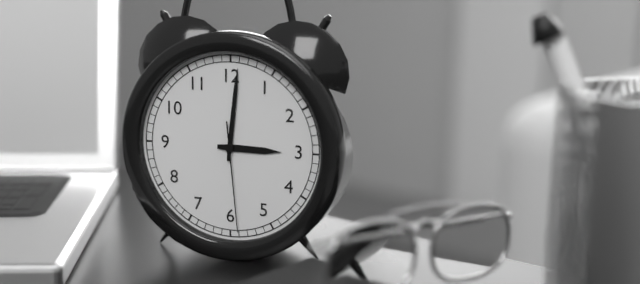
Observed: 3 h 01 min 29 s
